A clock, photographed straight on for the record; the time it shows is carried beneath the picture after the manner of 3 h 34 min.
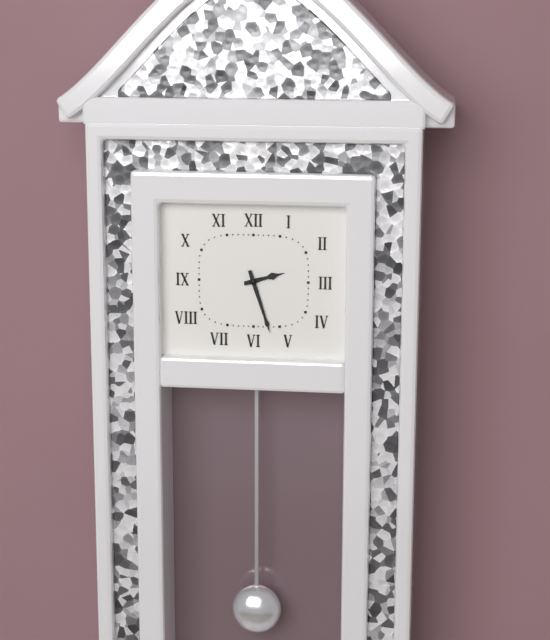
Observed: 2 h 27 min
